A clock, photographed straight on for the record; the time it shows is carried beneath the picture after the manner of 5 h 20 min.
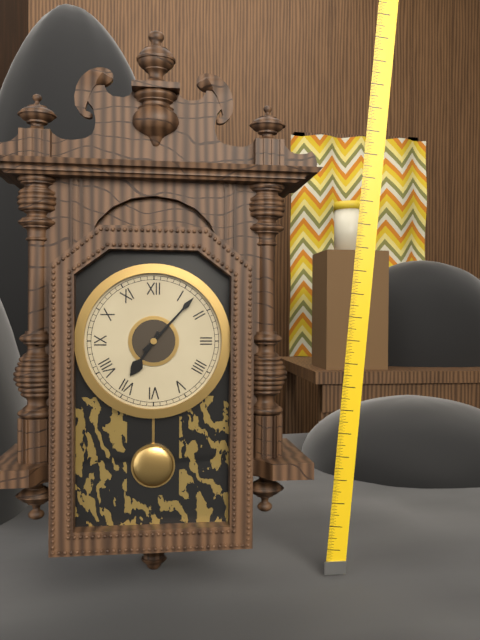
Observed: 7 h 07 min
